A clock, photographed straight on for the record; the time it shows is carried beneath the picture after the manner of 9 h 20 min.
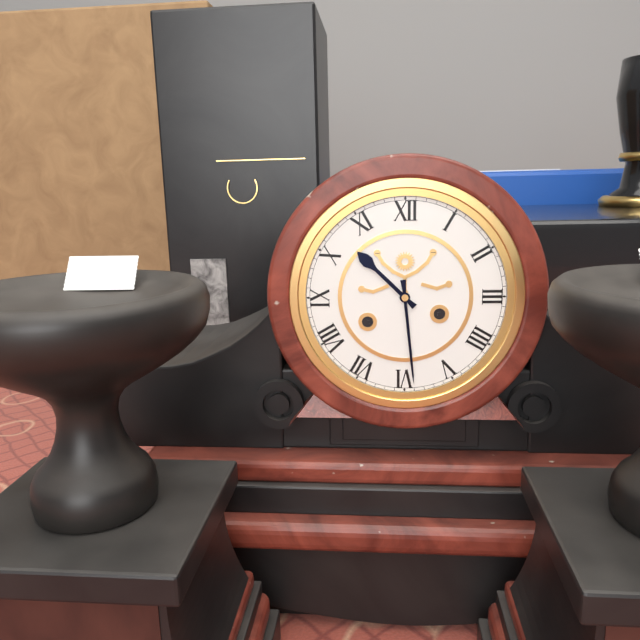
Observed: 10 h 29 min
